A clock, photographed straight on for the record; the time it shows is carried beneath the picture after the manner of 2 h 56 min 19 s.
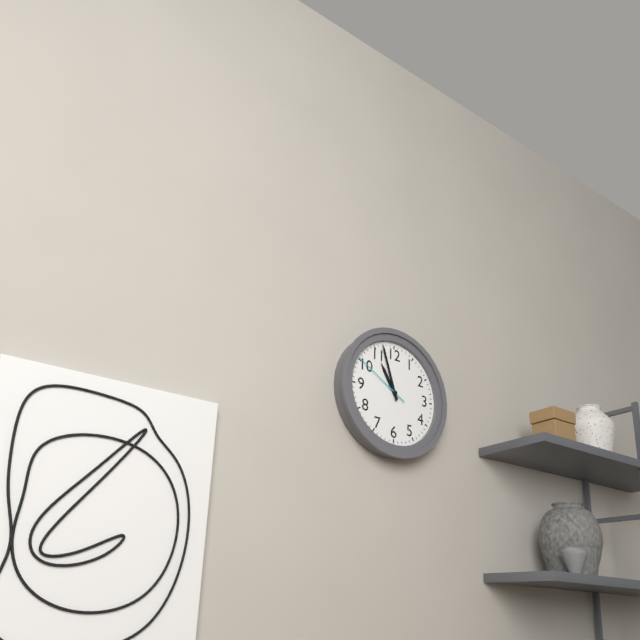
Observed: 10 h 57 min 50 s
